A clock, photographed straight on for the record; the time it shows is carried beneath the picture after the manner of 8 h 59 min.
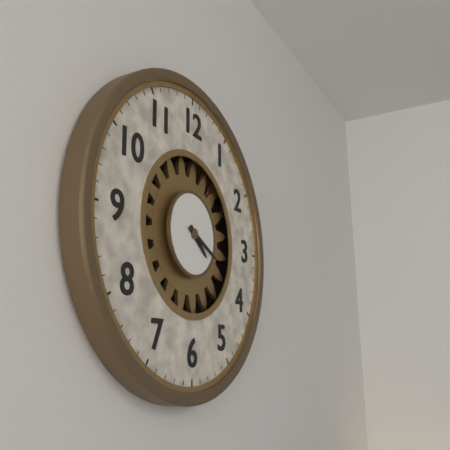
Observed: 4 h 19 min
